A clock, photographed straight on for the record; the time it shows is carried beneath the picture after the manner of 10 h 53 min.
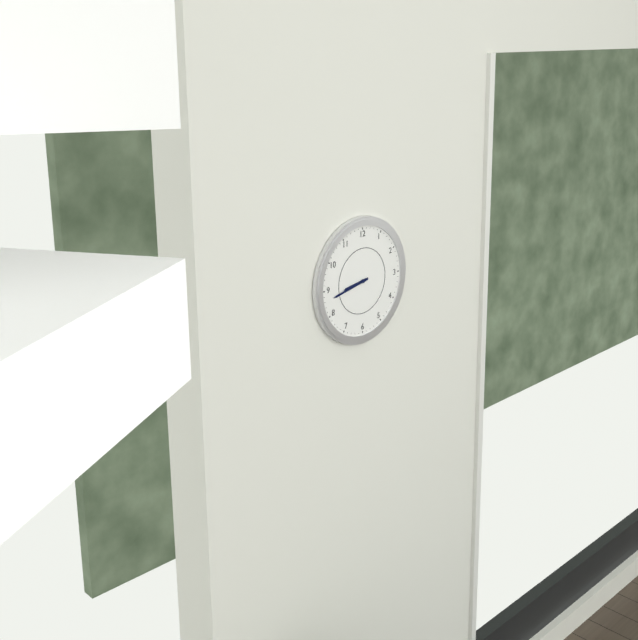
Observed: 8 h 43 min
